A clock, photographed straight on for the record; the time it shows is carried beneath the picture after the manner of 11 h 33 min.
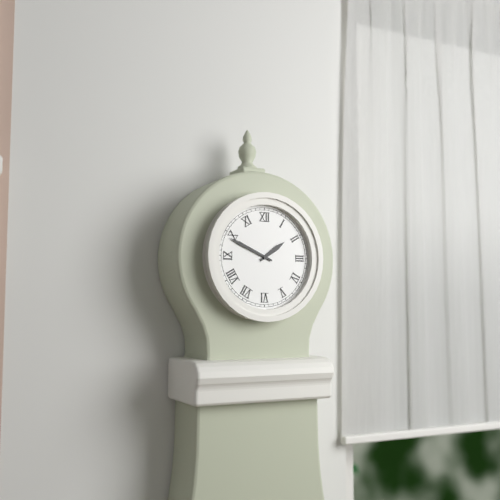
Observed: 1 h 49 min
